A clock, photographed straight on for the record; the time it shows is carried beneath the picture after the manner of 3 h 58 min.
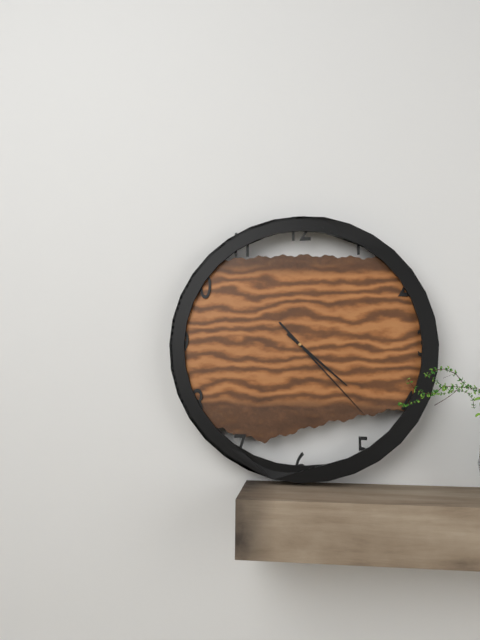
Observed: 4 h 23 min
